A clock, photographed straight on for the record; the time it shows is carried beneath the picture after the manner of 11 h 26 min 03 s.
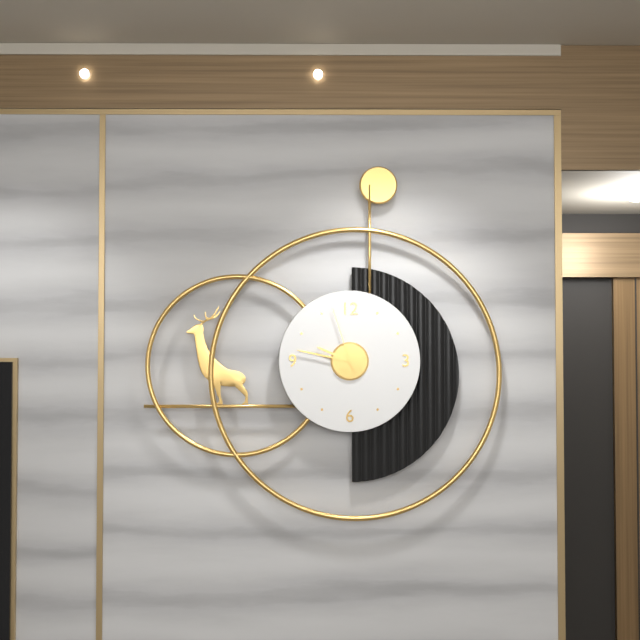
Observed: 9 h 47 min 57 s
